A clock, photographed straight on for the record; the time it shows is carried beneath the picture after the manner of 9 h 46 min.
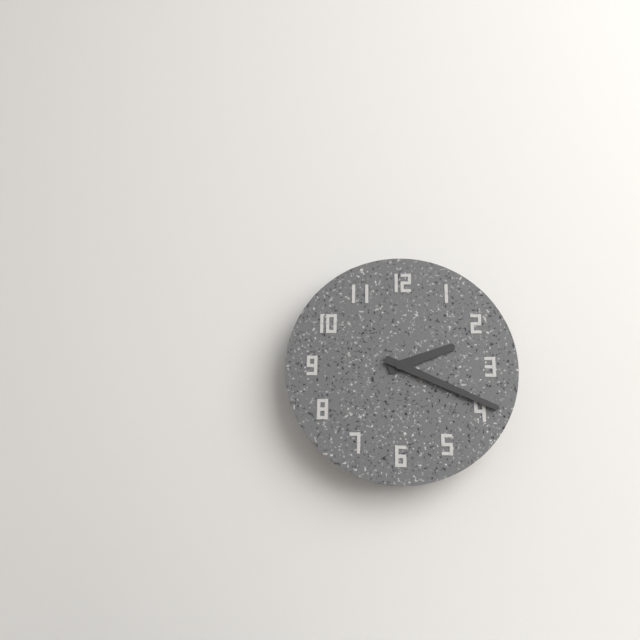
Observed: 2 h 19 min
